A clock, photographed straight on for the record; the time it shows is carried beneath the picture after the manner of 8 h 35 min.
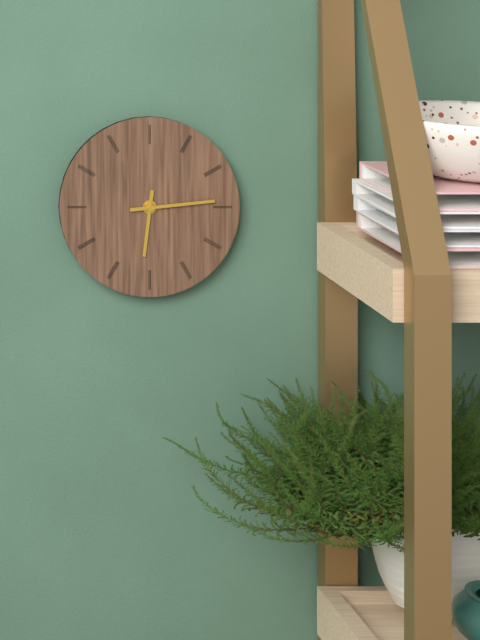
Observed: 6 h 14 min
